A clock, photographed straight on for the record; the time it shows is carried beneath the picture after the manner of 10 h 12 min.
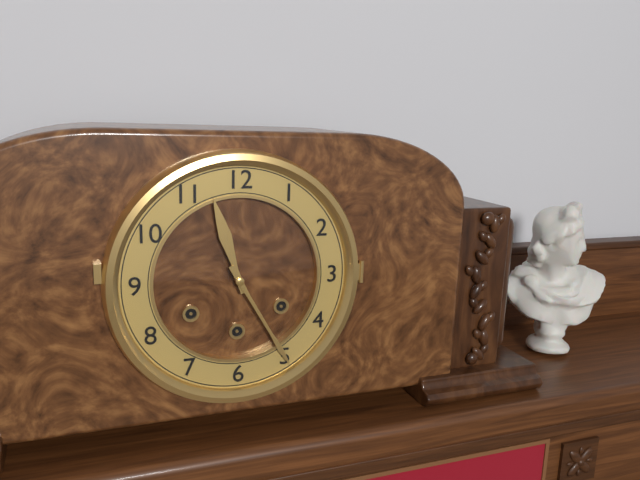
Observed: 11 h 25 min
